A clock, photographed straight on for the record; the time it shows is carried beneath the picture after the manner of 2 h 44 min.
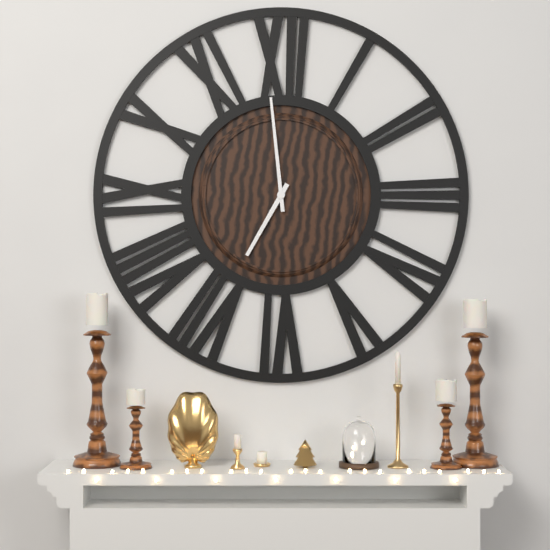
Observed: 6 h 59 min
